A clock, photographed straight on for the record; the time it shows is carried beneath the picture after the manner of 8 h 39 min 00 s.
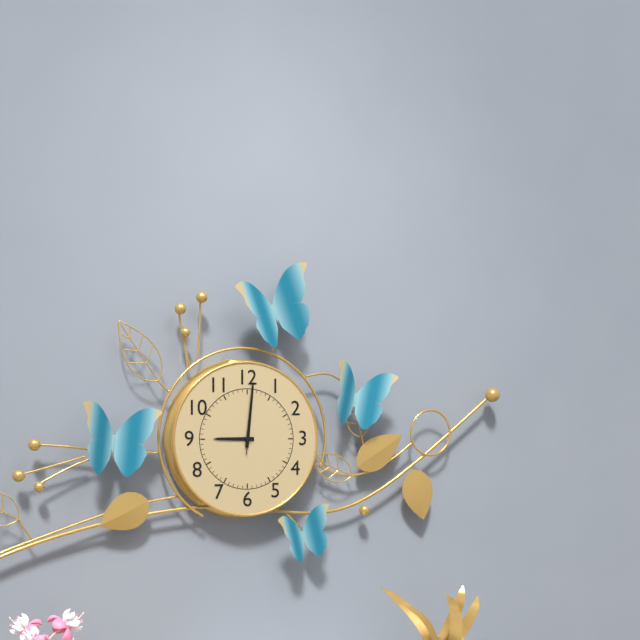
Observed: 9 h 01 min 01 s
